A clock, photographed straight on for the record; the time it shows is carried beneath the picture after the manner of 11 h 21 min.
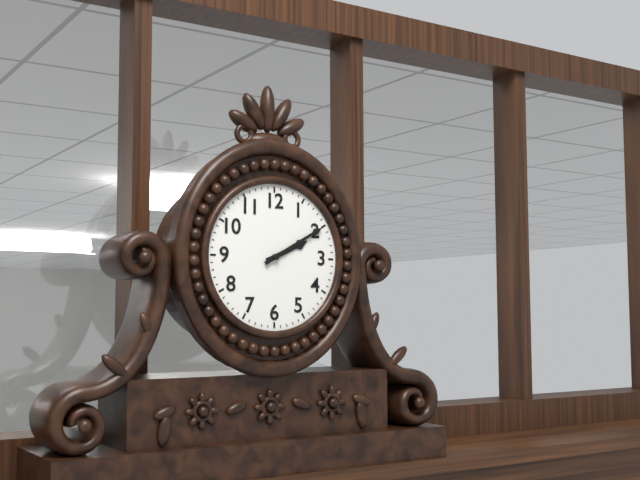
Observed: 2 h 10 min
